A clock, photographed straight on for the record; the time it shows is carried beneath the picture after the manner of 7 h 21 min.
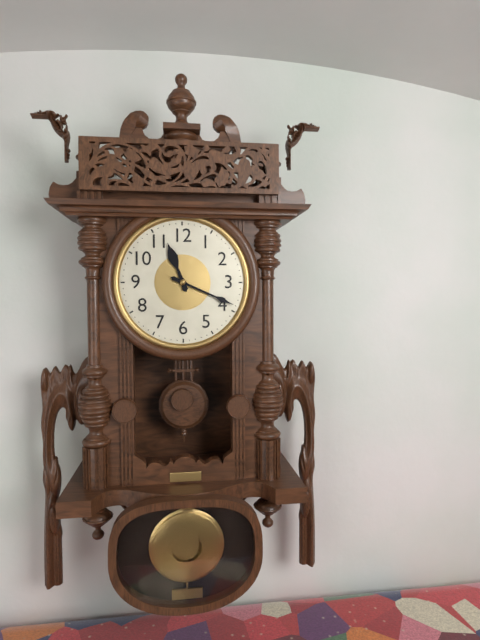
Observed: 11 h 19 min
